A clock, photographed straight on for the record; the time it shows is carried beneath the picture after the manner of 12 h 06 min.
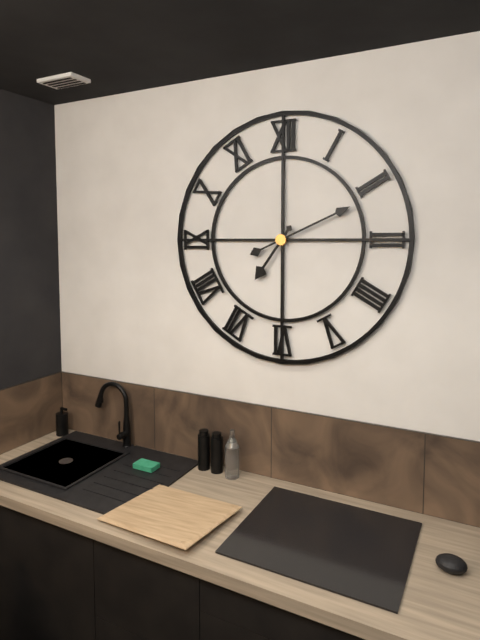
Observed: 7 h 11 min
